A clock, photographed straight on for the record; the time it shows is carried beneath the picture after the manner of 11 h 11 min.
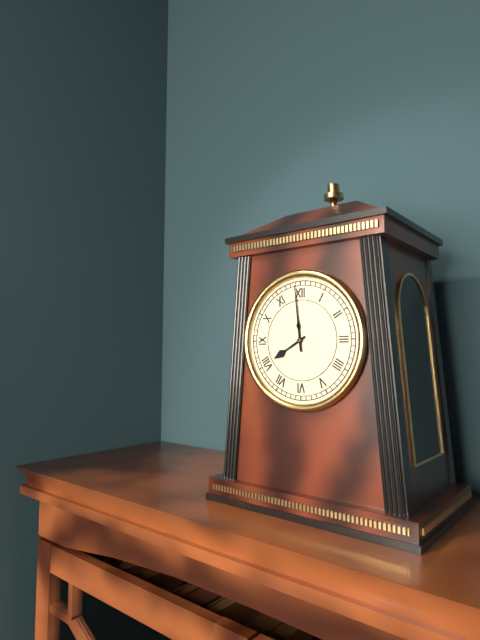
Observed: 7 h 59 min
